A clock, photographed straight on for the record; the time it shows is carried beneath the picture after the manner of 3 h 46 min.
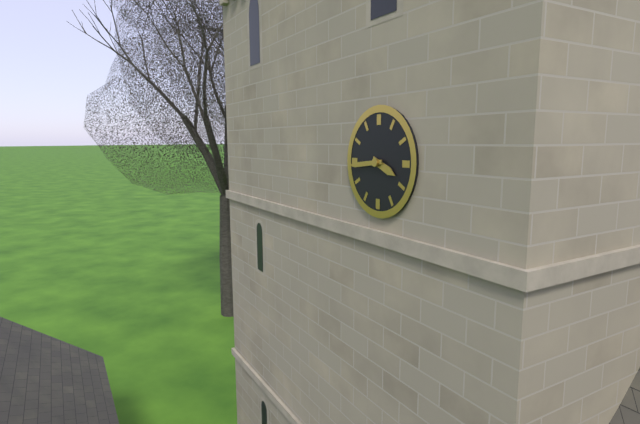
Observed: 3 h 44 min
